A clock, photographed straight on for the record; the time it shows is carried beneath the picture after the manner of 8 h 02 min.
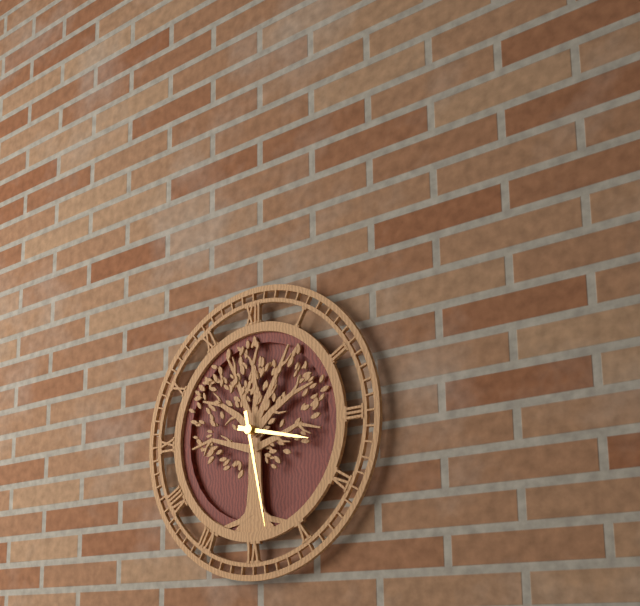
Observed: 3 h 28 min
